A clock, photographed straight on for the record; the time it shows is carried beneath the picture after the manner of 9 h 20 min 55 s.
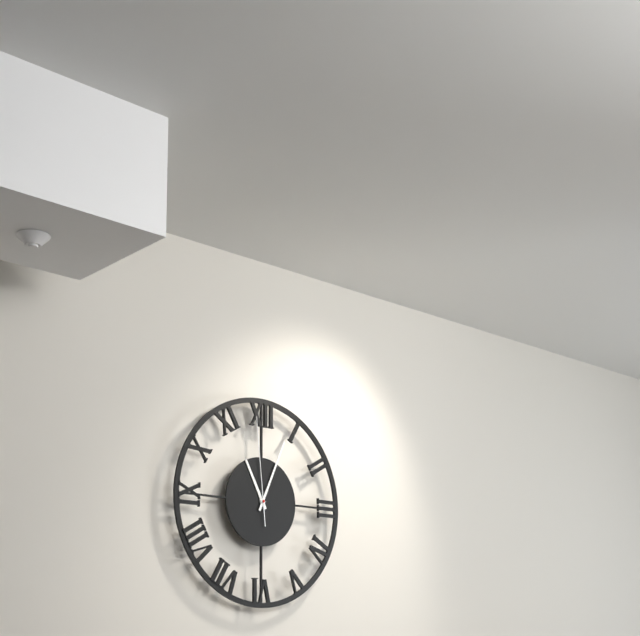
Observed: 11 h 04 min 59 s
